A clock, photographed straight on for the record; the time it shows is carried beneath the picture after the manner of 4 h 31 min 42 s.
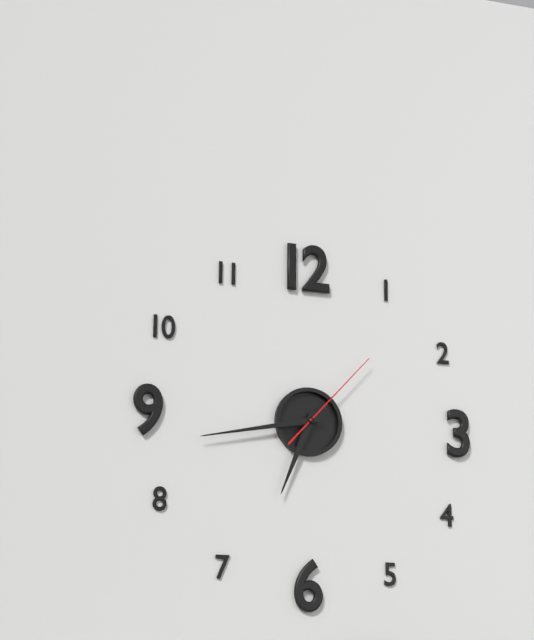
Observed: 6 h 43 min 07 s
